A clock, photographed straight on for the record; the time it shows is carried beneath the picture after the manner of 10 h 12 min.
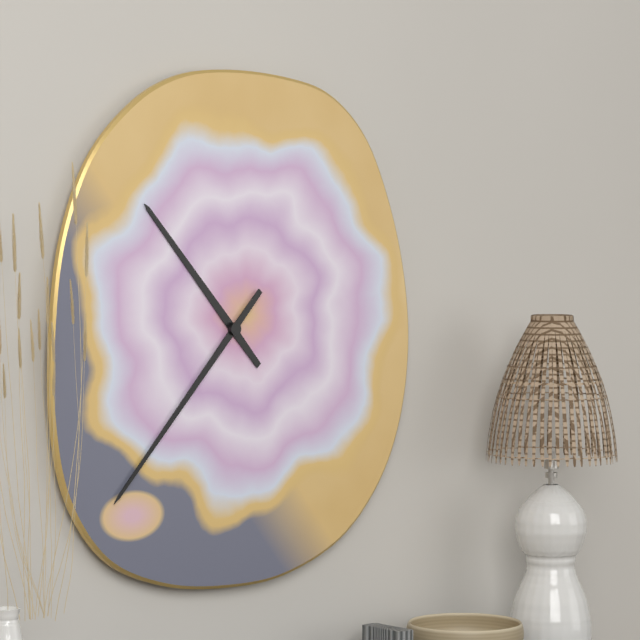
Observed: 10 h 37 min
